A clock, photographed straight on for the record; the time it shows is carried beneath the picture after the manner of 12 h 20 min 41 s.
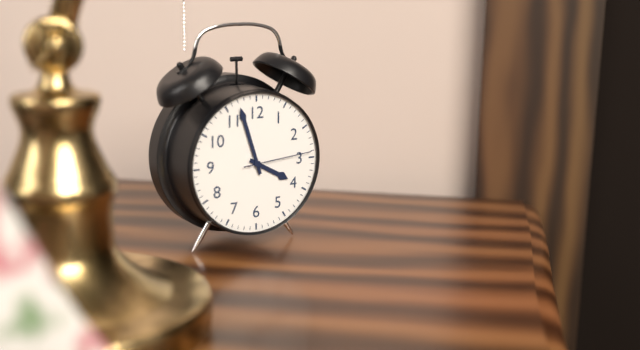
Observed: 3 h 57 min 14 s
